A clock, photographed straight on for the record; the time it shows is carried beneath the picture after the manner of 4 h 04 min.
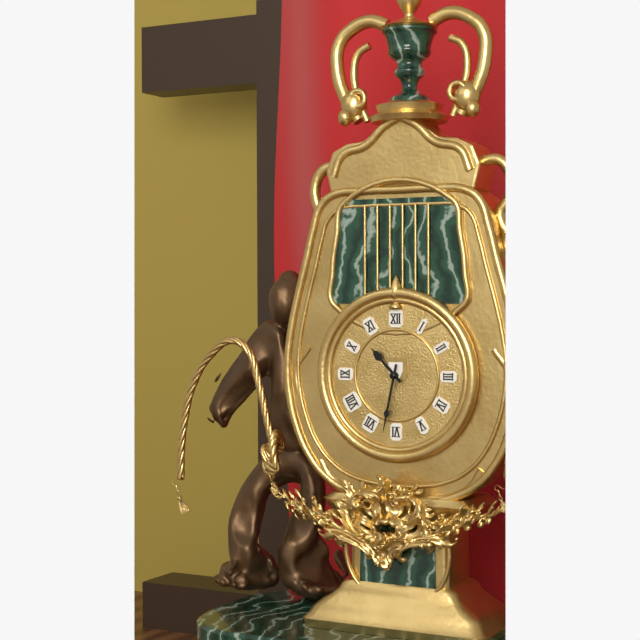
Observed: 10 h 32 min
